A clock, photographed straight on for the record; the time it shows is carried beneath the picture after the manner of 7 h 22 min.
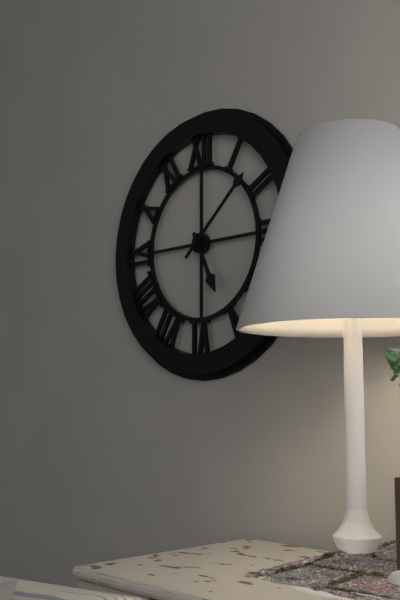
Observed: 5 h 08 min
